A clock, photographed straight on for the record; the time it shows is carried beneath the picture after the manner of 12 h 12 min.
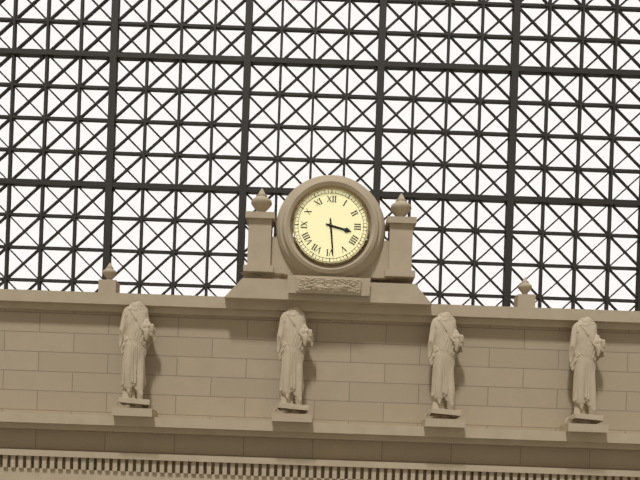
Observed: 3 h 29 min
